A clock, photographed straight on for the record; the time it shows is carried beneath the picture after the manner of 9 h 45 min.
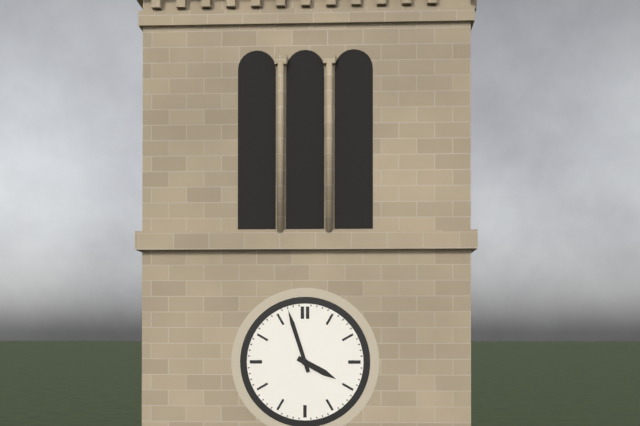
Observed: 3 h 57 min
